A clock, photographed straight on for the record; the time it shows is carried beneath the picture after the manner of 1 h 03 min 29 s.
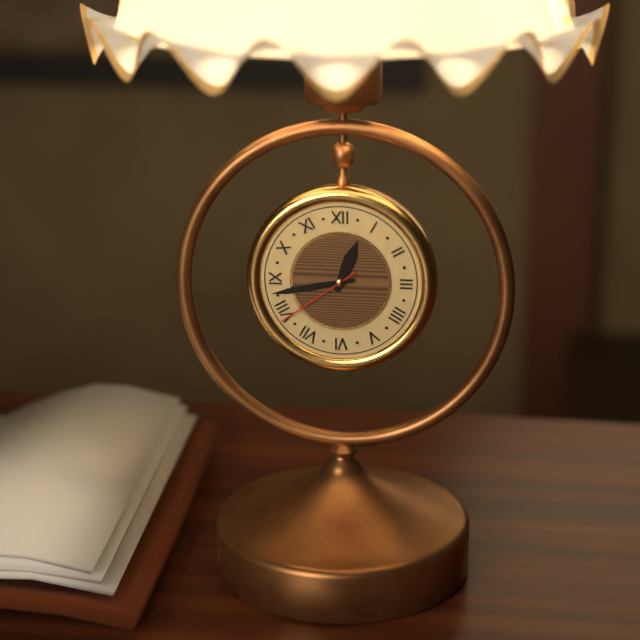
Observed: 12 h 43 min 39 s
